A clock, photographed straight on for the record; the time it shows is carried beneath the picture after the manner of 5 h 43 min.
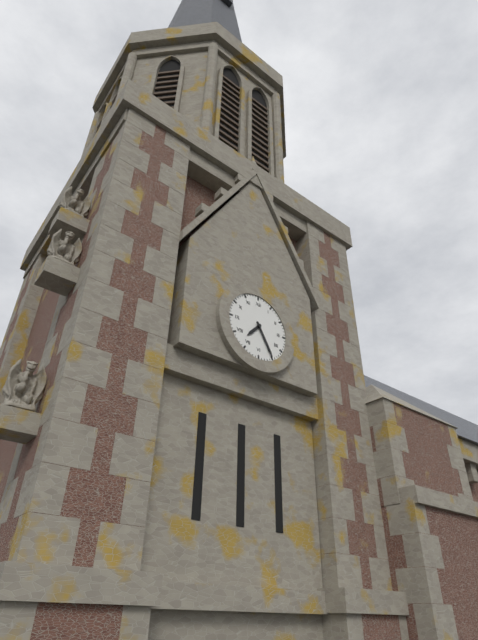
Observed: 7 h 25 min
